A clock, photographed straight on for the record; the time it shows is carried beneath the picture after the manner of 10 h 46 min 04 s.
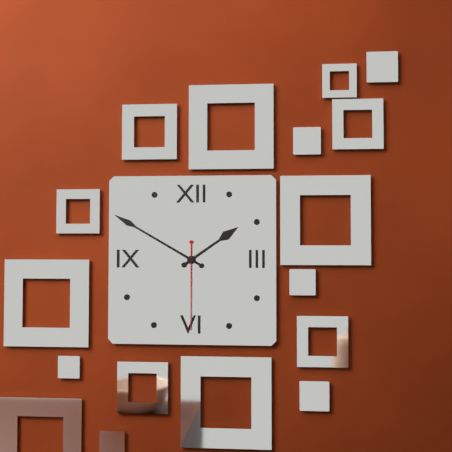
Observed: 1 h 50 min 30 s
